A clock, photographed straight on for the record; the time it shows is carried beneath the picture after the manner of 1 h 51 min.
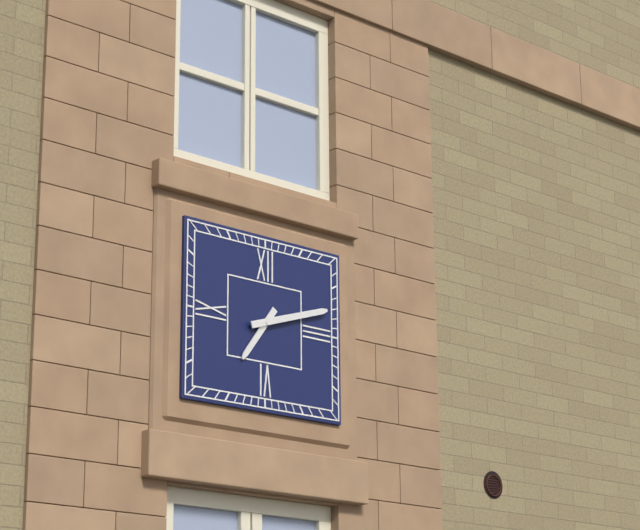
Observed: 7 h 12 min
